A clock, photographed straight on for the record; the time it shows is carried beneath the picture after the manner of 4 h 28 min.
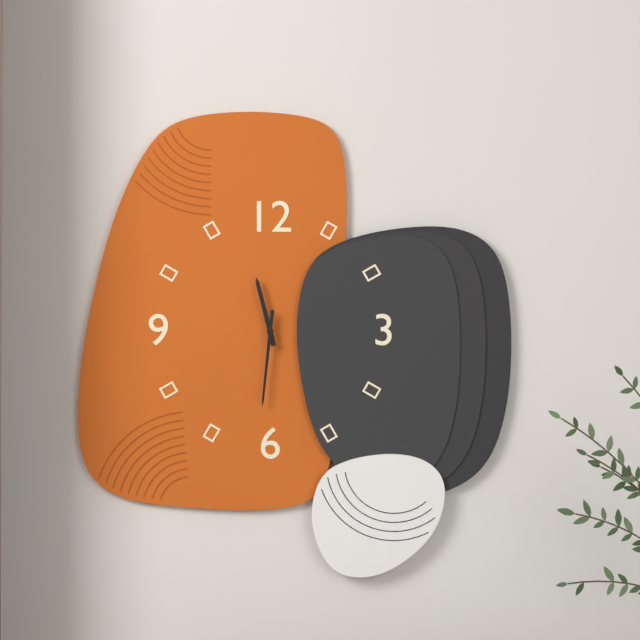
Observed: 11 h 31 min
